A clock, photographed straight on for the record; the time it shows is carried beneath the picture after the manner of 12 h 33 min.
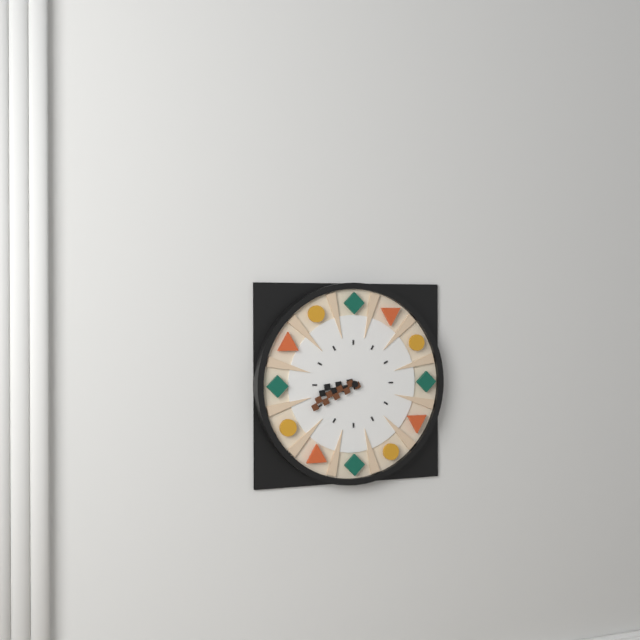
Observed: 8 h 41 min
